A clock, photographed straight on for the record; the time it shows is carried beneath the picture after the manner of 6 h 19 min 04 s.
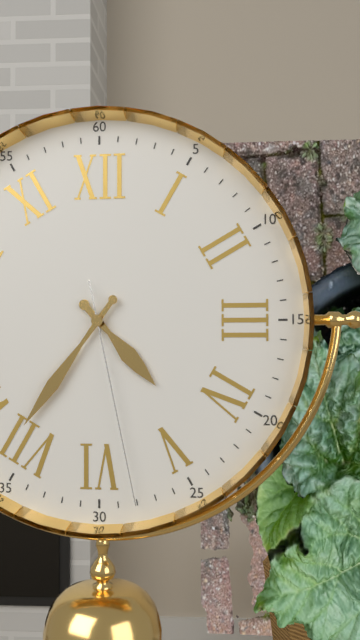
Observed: 4 h 36 min 28 s
